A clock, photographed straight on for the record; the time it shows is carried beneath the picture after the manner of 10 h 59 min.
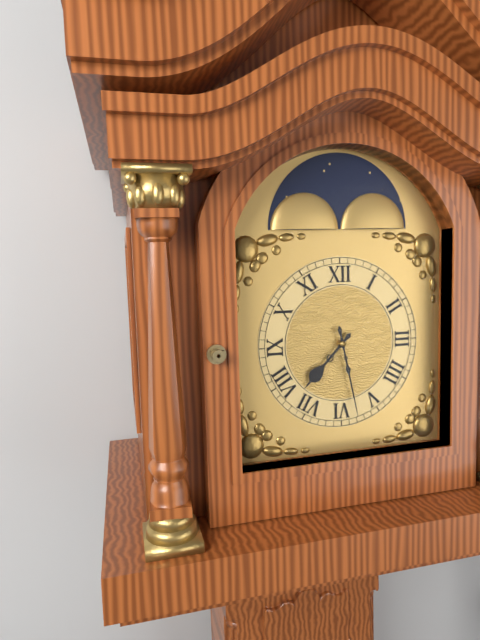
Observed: 7 h 28 min
